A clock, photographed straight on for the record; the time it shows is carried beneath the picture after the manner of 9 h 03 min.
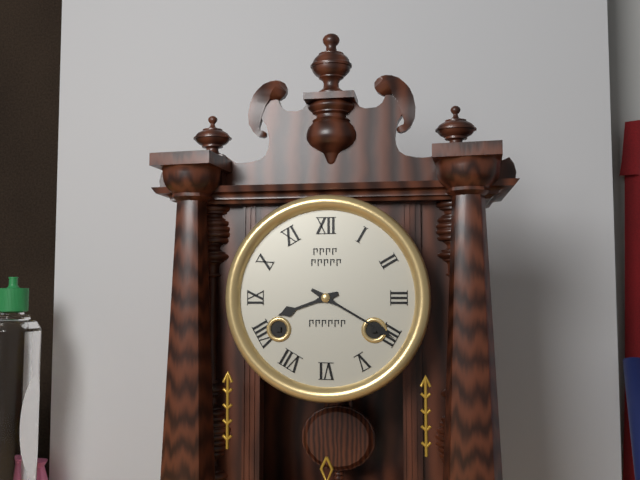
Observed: 8 h 20 min
